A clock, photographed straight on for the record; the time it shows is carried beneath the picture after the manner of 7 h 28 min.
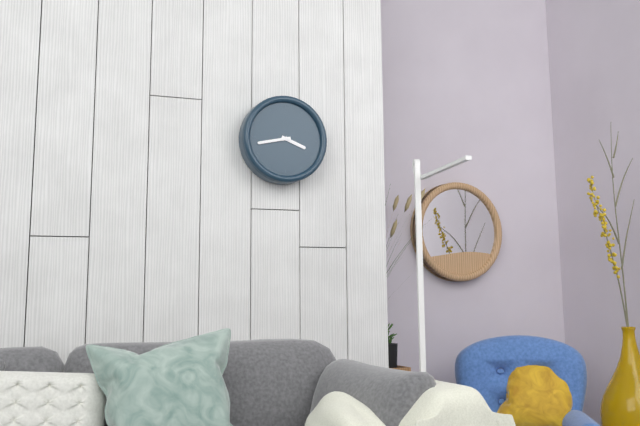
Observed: 3 h 43 min
